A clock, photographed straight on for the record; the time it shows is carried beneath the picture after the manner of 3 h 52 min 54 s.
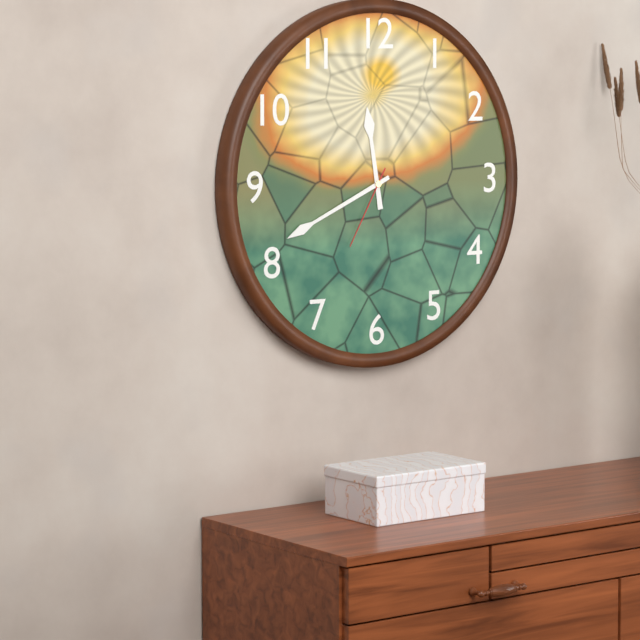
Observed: 11 h 41 min 35 s
